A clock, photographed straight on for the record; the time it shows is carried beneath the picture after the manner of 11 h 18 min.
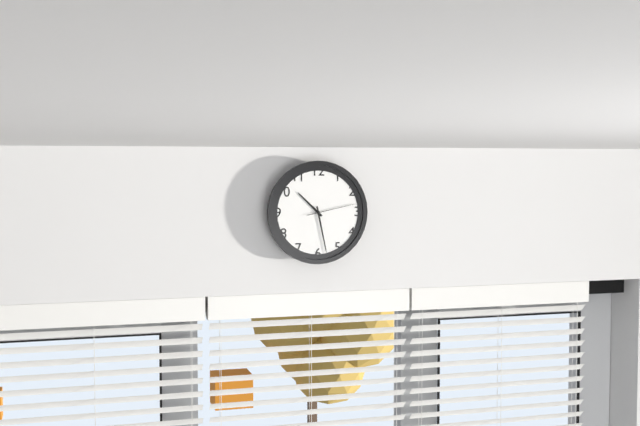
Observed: 10 h 28 min
